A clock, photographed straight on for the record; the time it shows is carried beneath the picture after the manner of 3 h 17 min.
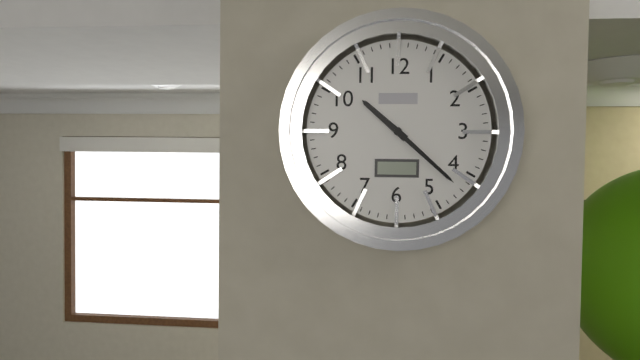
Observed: 10 h 22 min
